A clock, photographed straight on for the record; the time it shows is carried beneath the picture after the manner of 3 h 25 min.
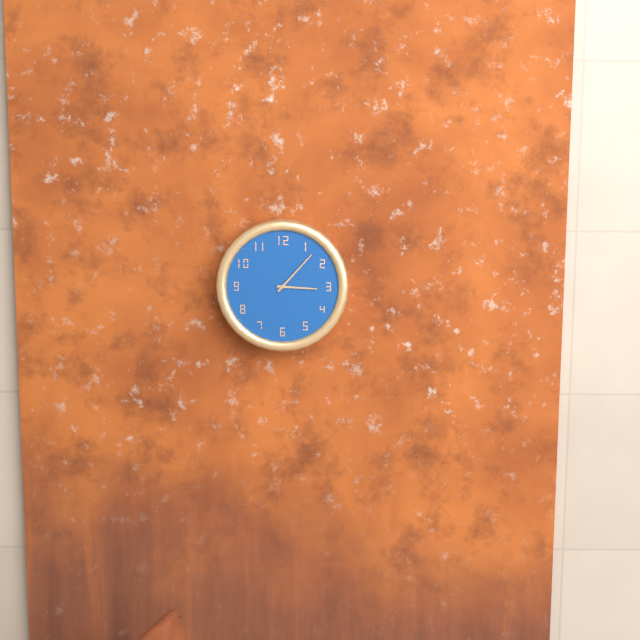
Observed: 3 h 07 min
